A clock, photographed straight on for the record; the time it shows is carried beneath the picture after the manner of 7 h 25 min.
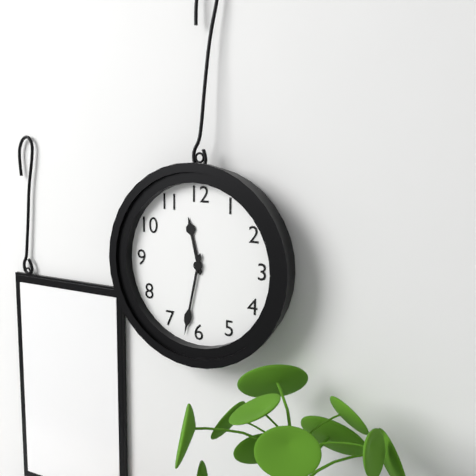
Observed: 11 h 32 min
